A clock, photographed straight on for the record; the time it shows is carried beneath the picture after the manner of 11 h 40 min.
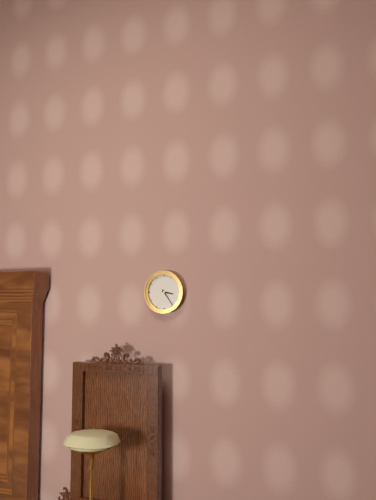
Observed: 3 h 24 min
